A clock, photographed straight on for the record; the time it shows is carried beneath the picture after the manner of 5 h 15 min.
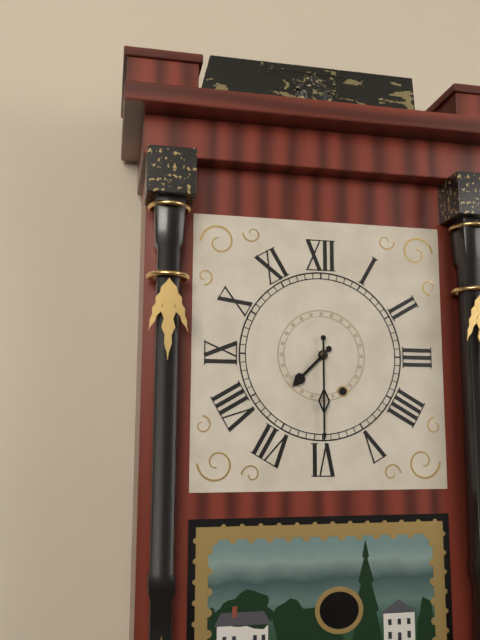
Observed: 7 h 30 min
